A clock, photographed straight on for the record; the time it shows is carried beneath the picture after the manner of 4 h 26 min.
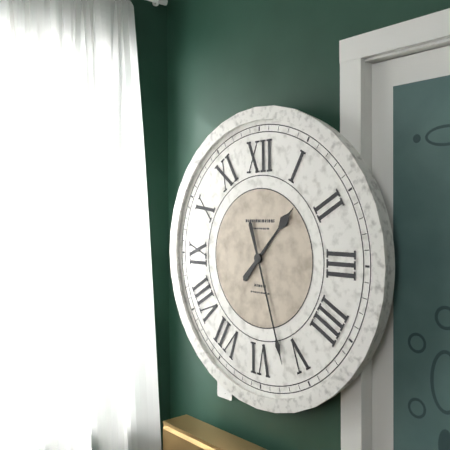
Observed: 1 h 27 min
